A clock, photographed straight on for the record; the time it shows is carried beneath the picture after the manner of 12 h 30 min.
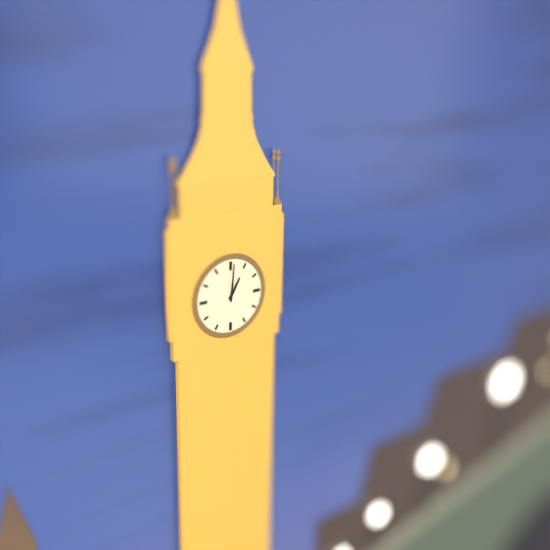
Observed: 1 h 01 min
